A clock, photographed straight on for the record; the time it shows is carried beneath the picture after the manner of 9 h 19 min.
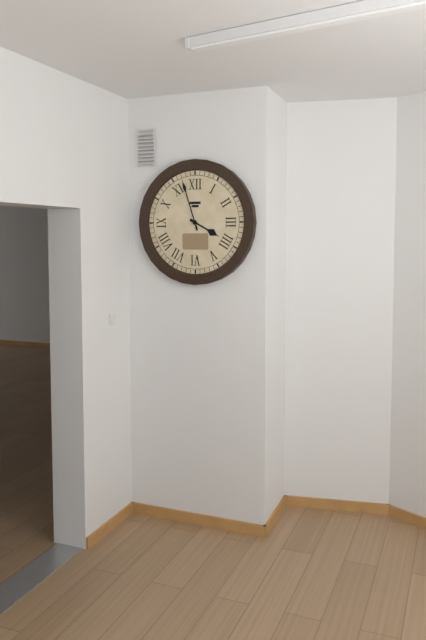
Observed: 3 h 57 min
